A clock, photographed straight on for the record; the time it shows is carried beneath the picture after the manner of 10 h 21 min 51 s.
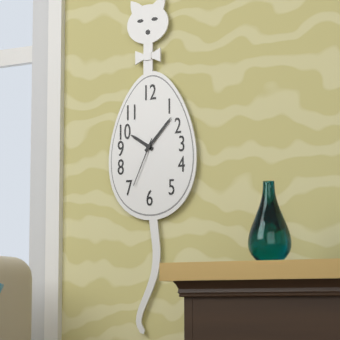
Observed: 10 h 07 min 34 s
